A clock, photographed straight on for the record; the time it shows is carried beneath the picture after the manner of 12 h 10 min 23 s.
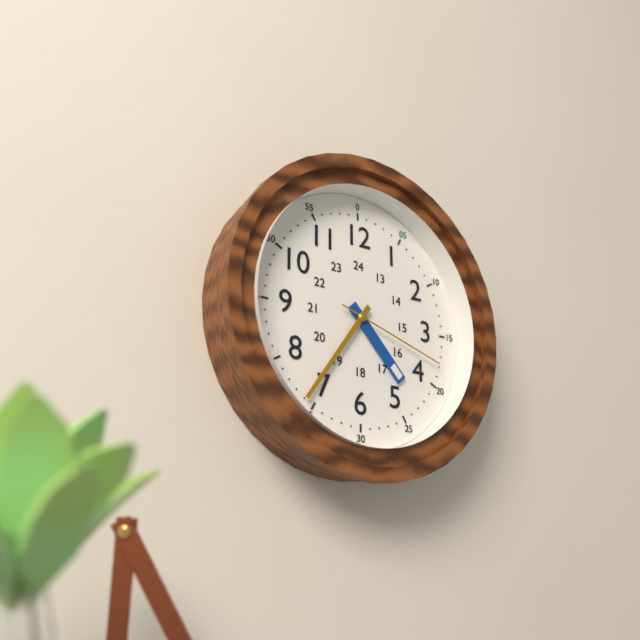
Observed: 4 h 36 min 18 s
